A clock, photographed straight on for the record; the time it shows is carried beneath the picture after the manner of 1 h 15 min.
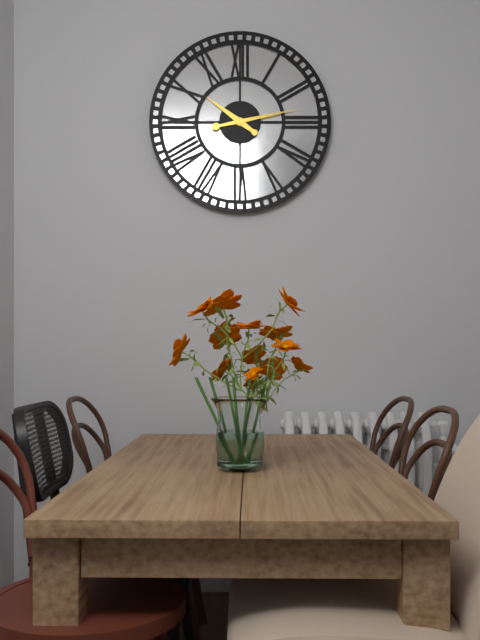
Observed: 10 h 13 min
